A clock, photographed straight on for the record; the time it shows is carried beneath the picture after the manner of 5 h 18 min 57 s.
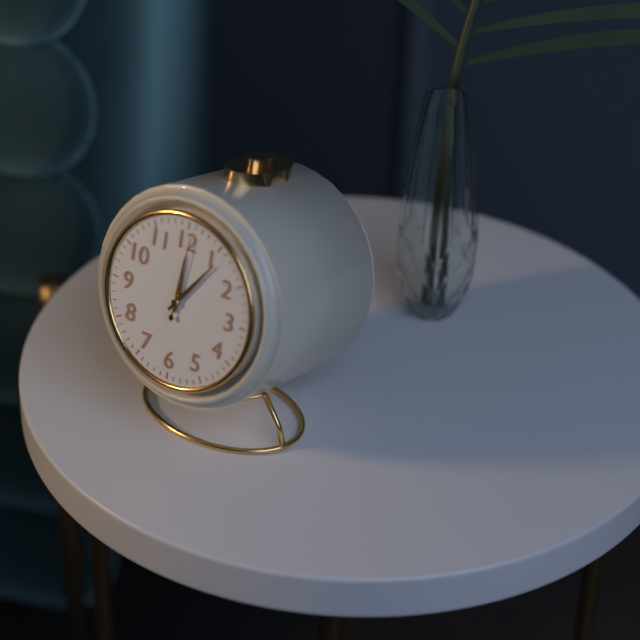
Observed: 12 h 06 min 01 s
